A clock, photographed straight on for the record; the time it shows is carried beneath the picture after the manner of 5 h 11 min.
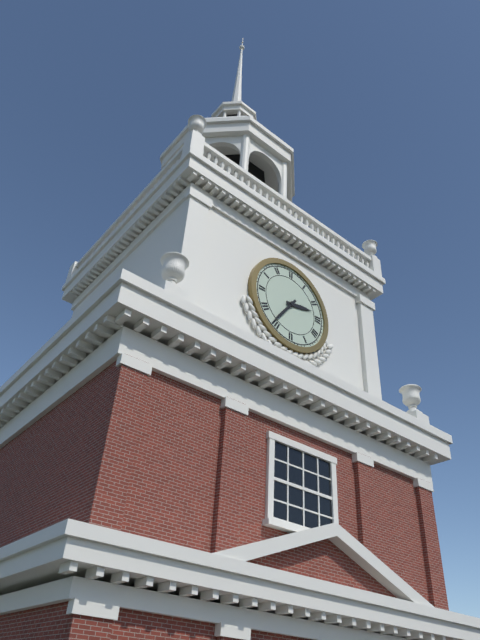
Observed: 2 h 36 min
